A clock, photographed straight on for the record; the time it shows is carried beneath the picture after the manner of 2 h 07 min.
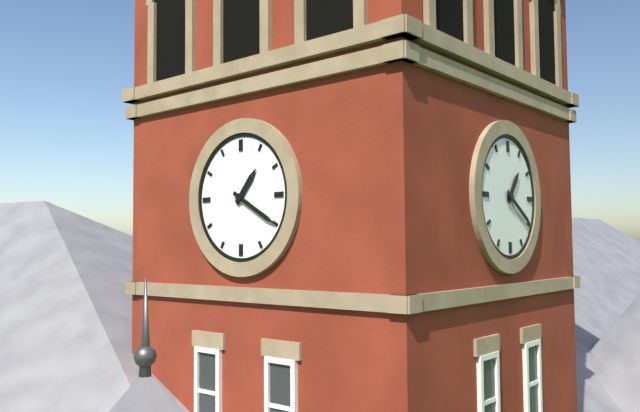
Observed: 1 h 20 min
